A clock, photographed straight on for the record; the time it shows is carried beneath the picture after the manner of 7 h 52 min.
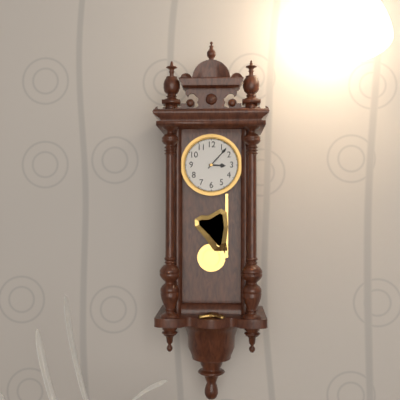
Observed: 3 h 07 min
